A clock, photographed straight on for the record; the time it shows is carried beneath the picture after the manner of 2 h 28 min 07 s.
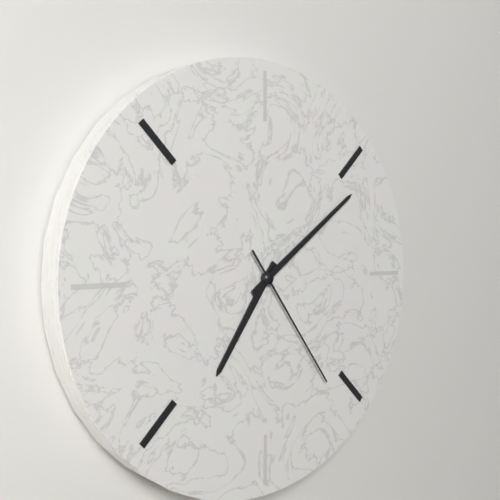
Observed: 7 h 09 min 24 s
